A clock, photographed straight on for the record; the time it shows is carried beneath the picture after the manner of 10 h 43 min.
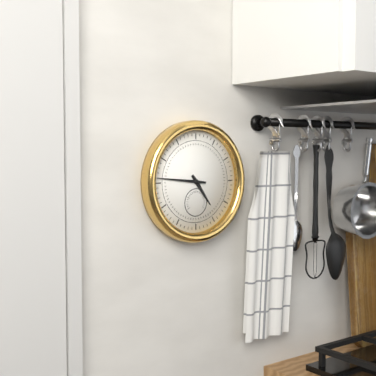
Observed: 4 h 46 min
